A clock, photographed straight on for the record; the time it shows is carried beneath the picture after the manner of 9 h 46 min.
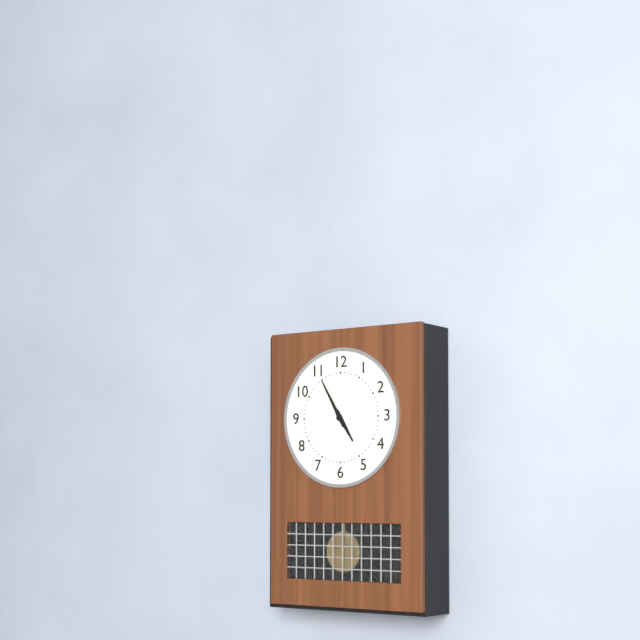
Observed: 4 h 55 min
